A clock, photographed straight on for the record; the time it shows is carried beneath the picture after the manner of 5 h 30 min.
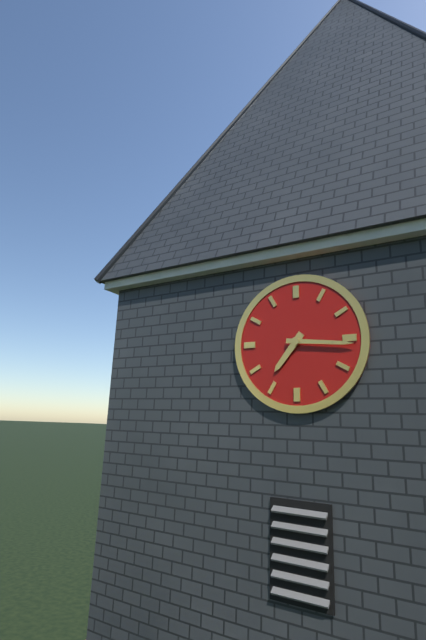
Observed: 7 h 16 min
